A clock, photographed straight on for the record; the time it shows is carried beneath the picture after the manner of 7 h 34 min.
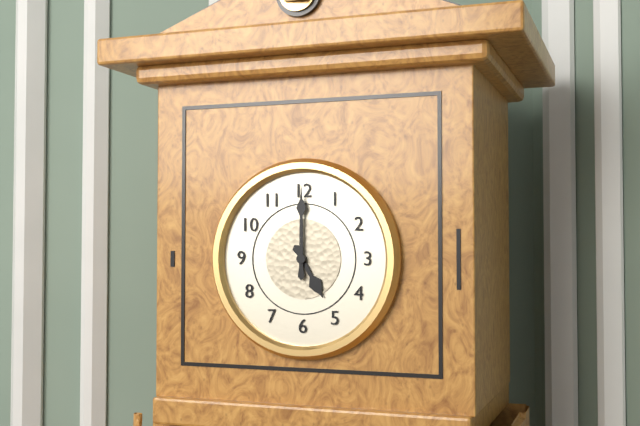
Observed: 5 h 00 min
